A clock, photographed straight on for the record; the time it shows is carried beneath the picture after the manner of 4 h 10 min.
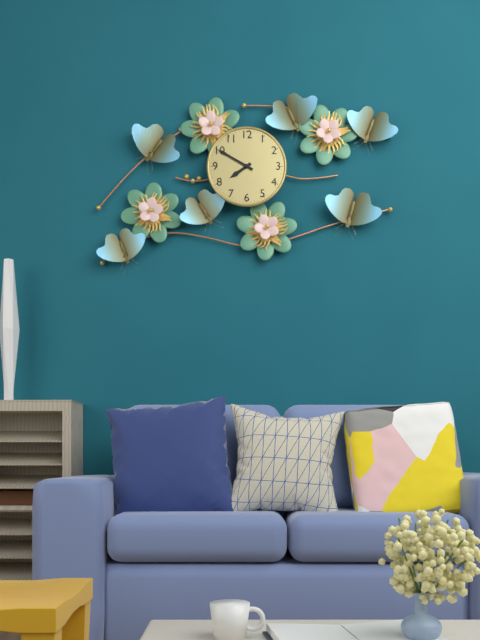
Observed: 7 h 50 min
